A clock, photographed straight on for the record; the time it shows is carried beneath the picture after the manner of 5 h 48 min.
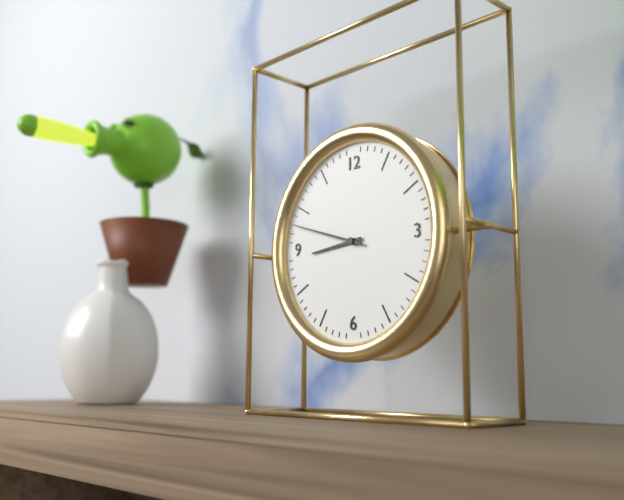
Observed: 8 h 48 min
